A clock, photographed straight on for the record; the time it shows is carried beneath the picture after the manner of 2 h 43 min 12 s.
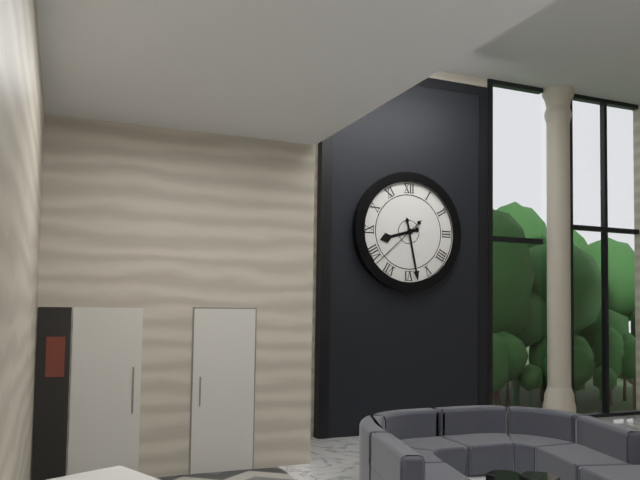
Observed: 8 h 28 min 38 s
